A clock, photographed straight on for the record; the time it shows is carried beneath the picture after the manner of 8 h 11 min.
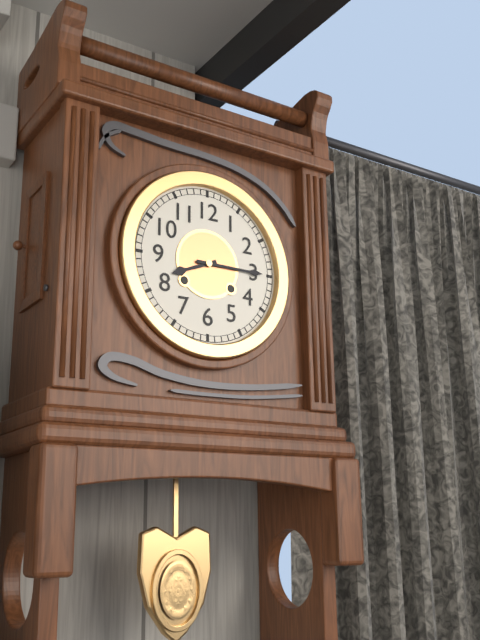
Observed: 8 h 15 min
